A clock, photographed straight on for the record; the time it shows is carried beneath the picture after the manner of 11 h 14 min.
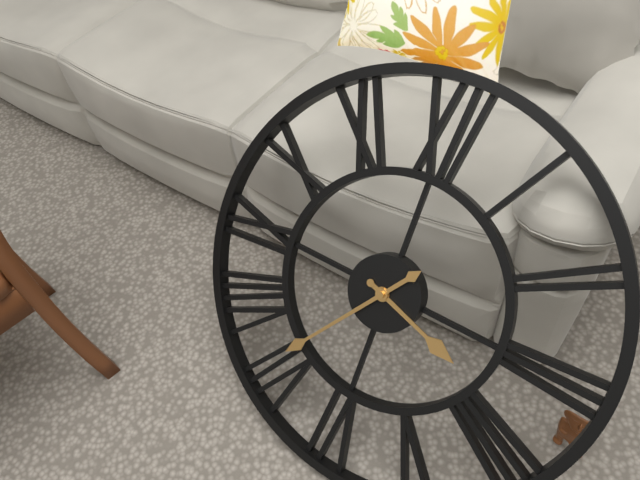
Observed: 3 h 36 min
